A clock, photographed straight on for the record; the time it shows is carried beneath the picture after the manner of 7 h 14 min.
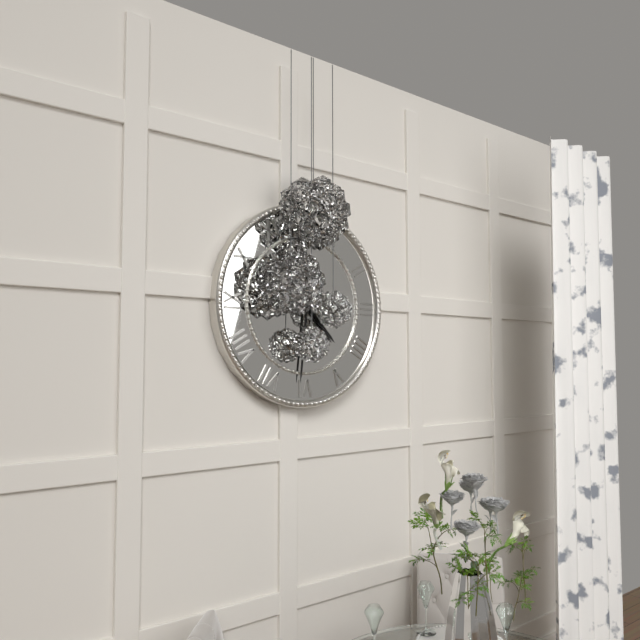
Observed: 4 h 31 min
